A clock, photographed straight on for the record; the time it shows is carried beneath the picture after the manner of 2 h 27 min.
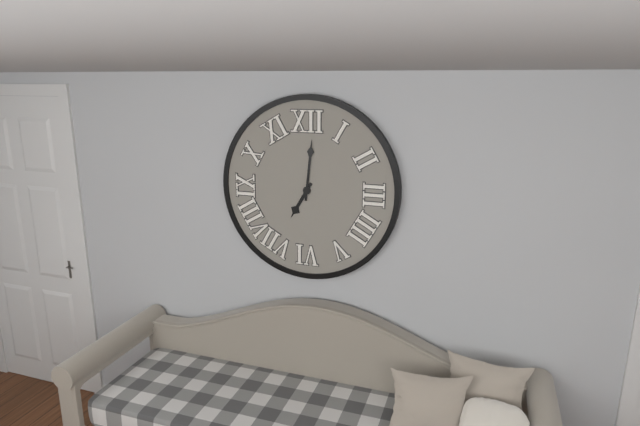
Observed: 7 h 01 min
